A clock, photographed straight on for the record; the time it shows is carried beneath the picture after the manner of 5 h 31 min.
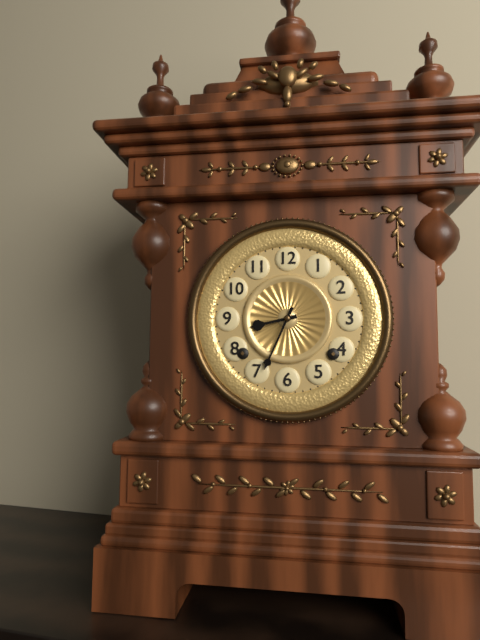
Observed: 8 h 34 min
